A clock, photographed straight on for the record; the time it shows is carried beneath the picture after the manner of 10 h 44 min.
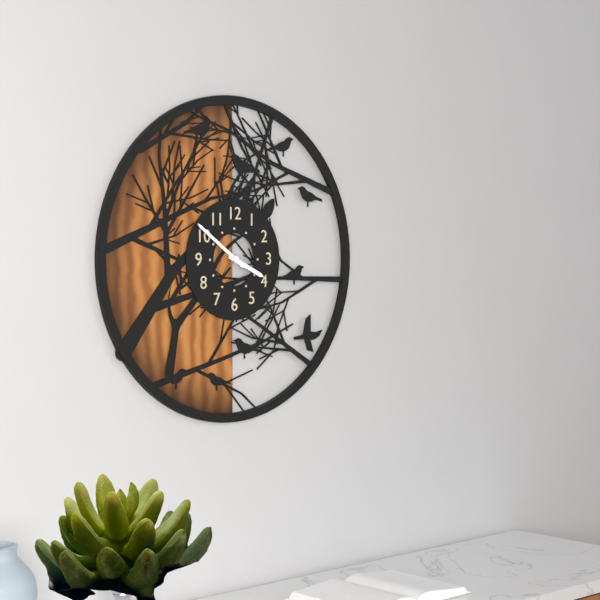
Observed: 3 h 51 min
